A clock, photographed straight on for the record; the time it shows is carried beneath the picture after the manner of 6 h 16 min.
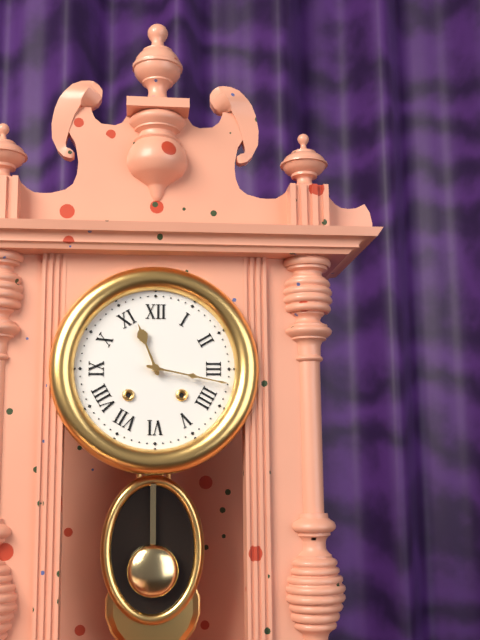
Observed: 11 h 17 min
